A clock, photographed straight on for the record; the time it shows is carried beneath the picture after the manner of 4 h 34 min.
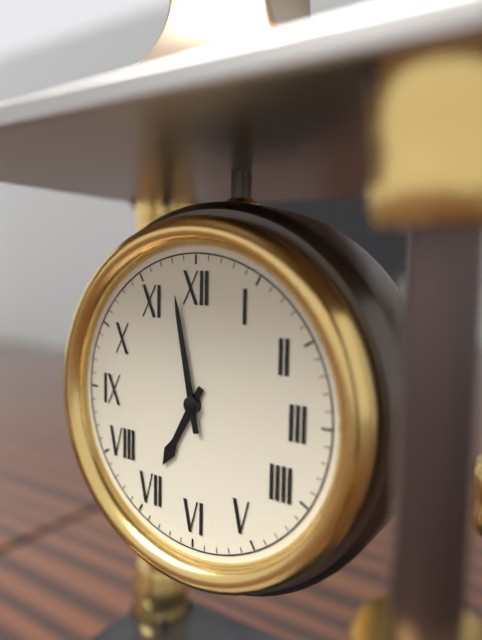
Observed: 6 h 58 min
